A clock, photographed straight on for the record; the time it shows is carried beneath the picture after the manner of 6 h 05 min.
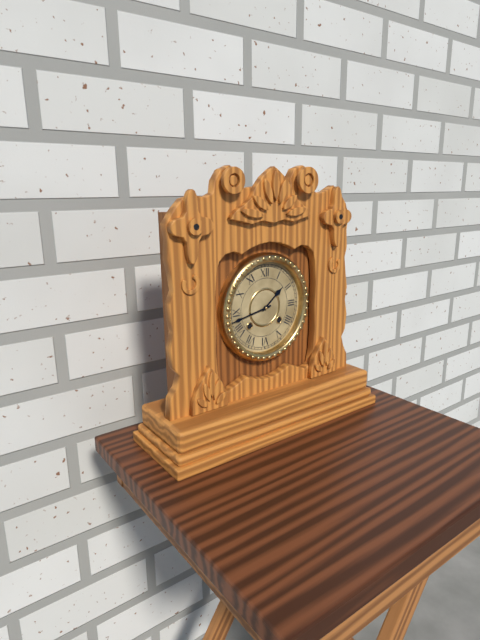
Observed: 1 h 43 min
